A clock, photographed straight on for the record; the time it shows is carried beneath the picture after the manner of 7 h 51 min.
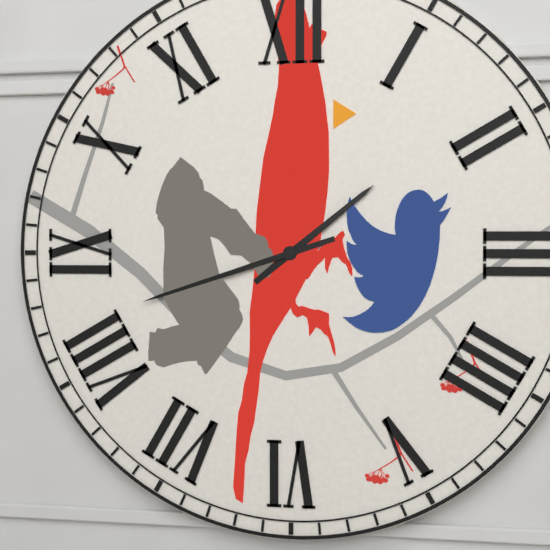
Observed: 1 h 42 min
